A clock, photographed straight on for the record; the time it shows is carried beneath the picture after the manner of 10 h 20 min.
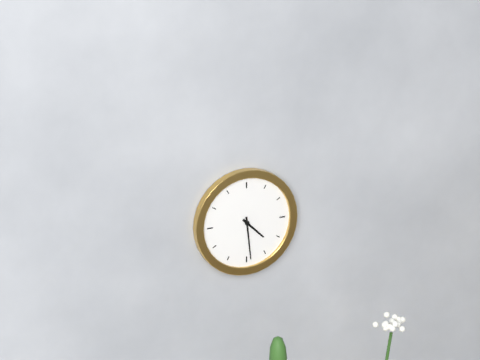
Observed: 4 h 29 min
